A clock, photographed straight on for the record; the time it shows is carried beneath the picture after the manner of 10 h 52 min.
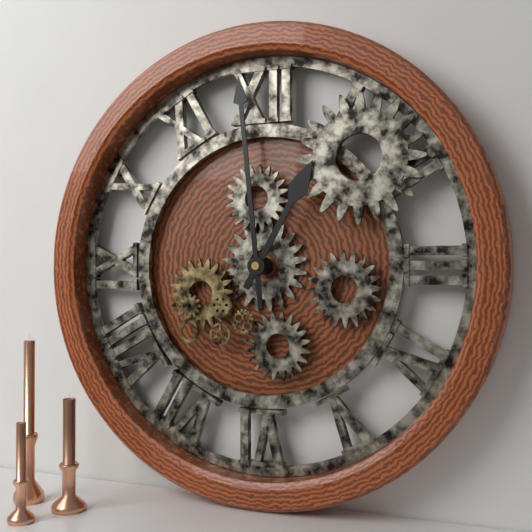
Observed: 12 h 59 min
